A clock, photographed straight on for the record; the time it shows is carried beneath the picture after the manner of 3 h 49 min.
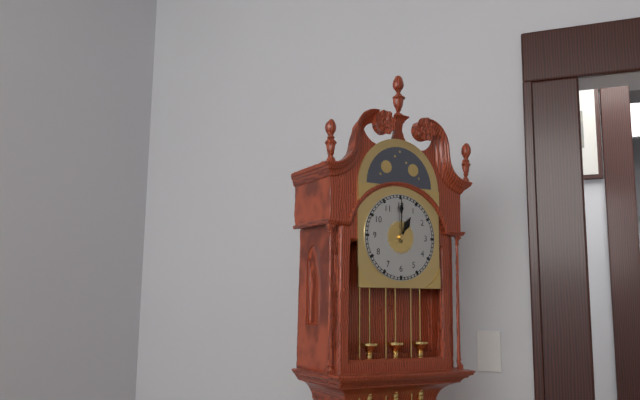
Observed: 1 h 00 min
